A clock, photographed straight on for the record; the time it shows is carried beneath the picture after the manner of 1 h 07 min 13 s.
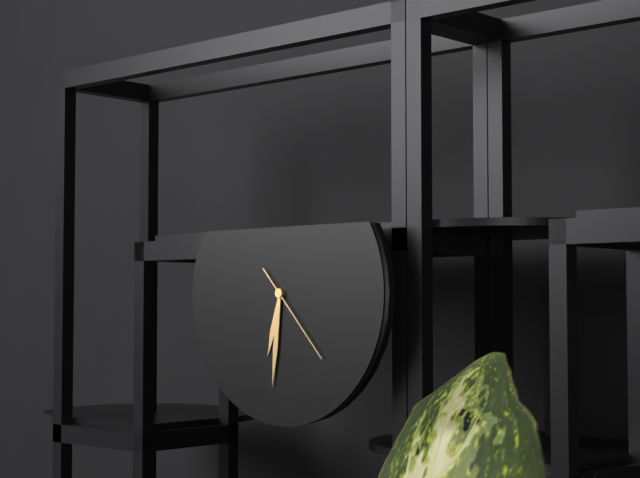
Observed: 6 h 31 min 23 s
